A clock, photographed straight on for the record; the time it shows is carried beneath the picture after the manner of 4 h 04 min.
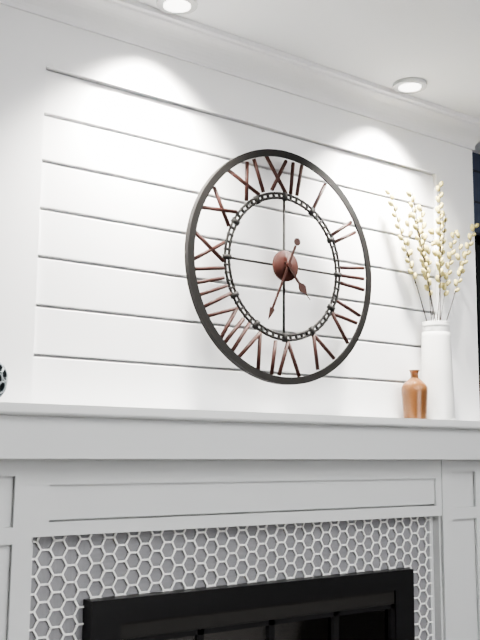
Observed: 4 h 34 min
